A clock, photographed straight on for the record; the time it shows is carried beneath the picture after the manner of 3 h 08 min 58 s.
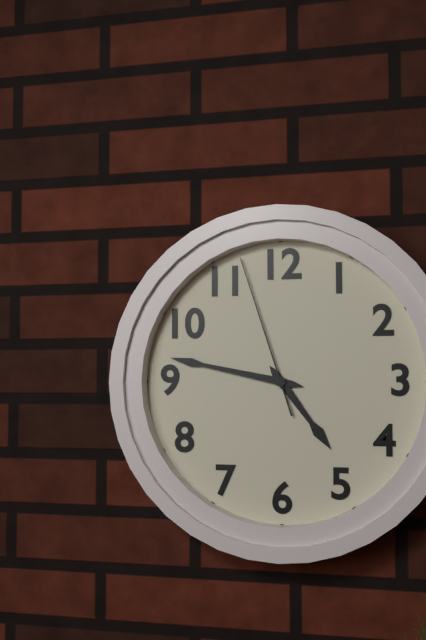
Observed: 4 h 47 min 57 s
